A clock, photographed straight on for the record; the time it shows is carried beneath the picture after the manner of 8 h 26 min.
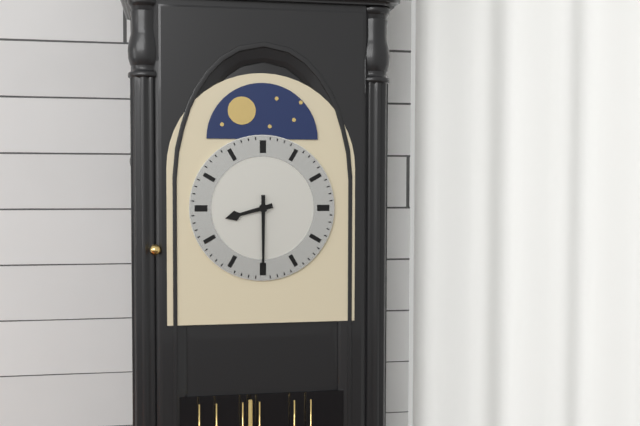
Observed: 8 h 30 min
